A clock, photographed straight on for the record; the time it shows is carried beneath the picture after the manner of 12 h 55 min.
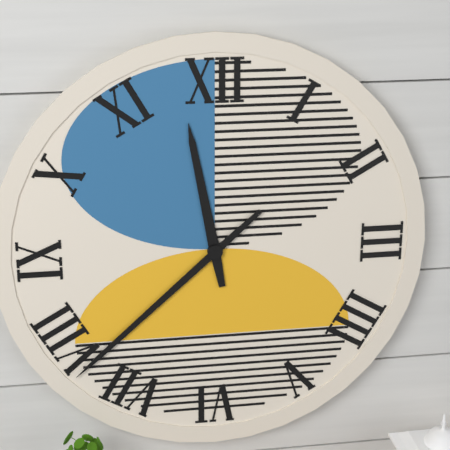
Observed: 11 h 38 min
